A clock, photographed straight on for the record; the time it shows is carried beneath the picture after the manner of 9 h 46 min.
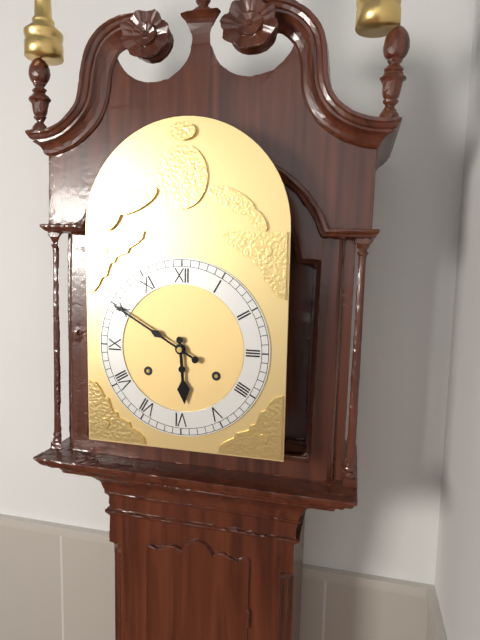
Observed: 5 h 50 min
